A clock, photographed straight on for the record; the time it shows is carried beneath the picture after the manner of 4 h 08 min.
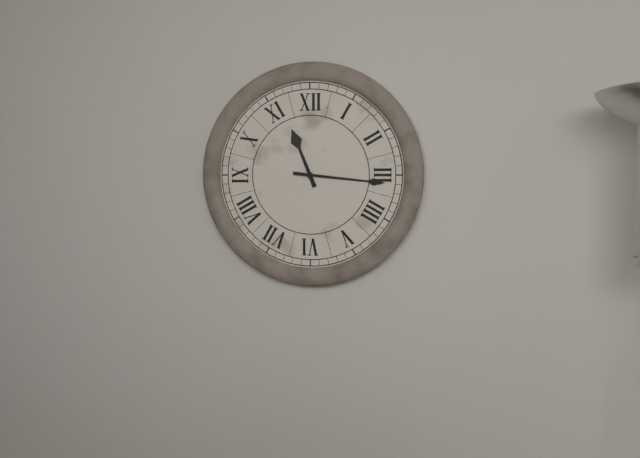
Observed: 11 h 16 min
